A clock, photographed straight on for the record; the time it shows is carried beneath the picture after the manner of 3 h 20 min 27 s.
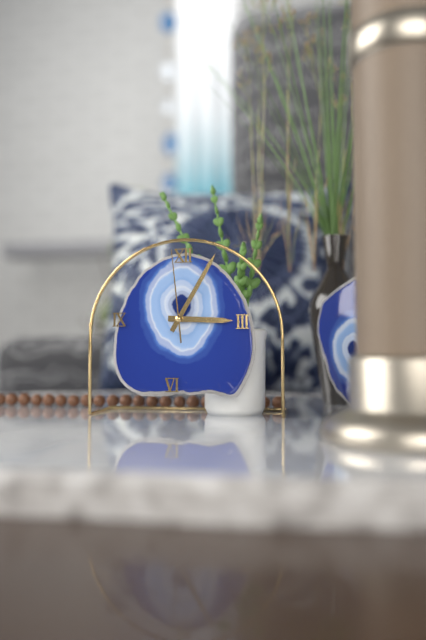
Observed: 3 h 05 min 59 s
